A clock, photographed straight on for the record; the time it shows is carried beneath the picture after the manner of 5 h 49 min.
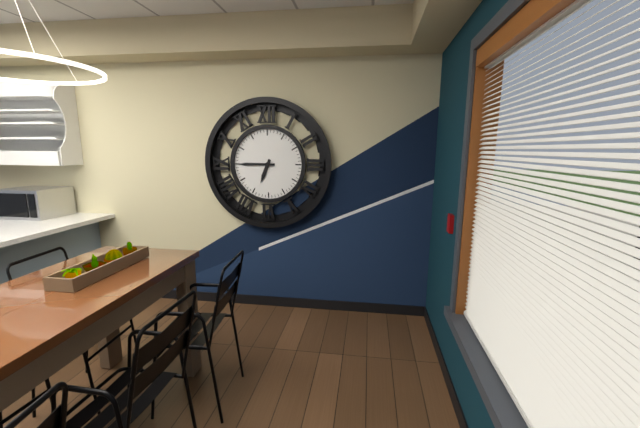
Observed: 6 h 45 min
